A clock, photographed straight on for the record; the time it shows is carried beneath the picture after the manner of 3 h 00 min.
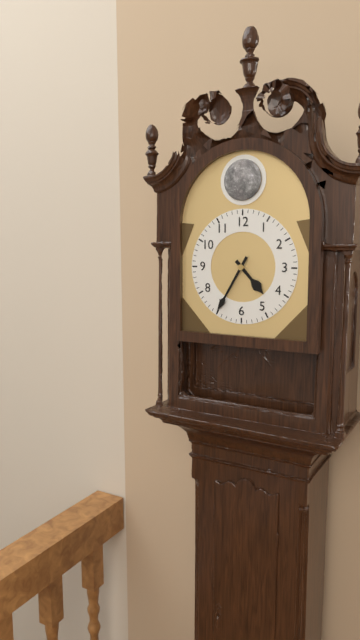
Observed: 4 h 35 min
